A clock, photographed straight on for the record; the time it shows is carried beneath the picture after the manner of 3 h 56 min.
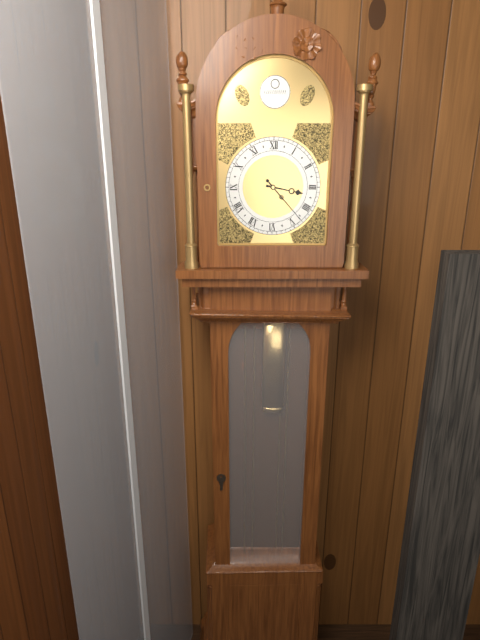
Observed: 3 h 23 min
